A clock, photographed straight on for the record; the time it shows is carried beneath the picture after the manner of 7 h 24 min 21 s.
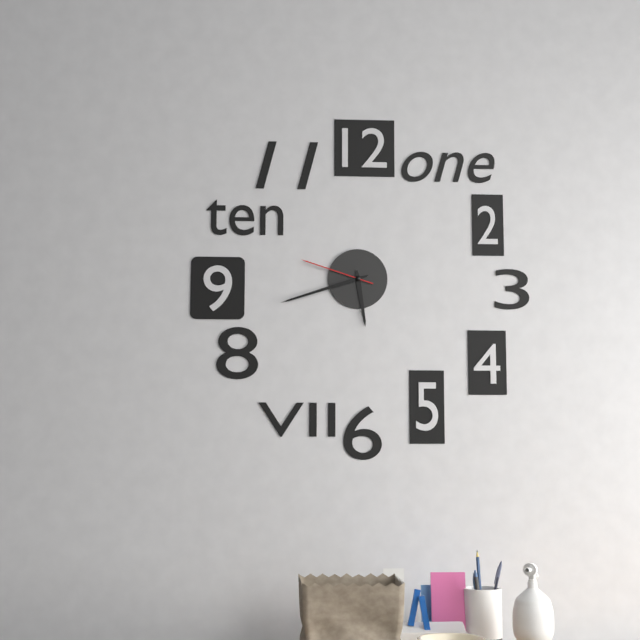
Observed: 5 h 42 min 48 s
